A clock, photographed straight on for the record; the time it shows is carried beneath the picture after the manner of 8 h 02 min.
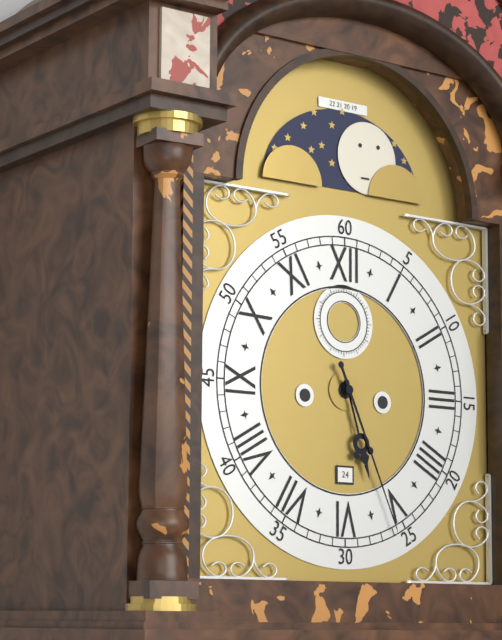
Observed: 5 h 26 min
